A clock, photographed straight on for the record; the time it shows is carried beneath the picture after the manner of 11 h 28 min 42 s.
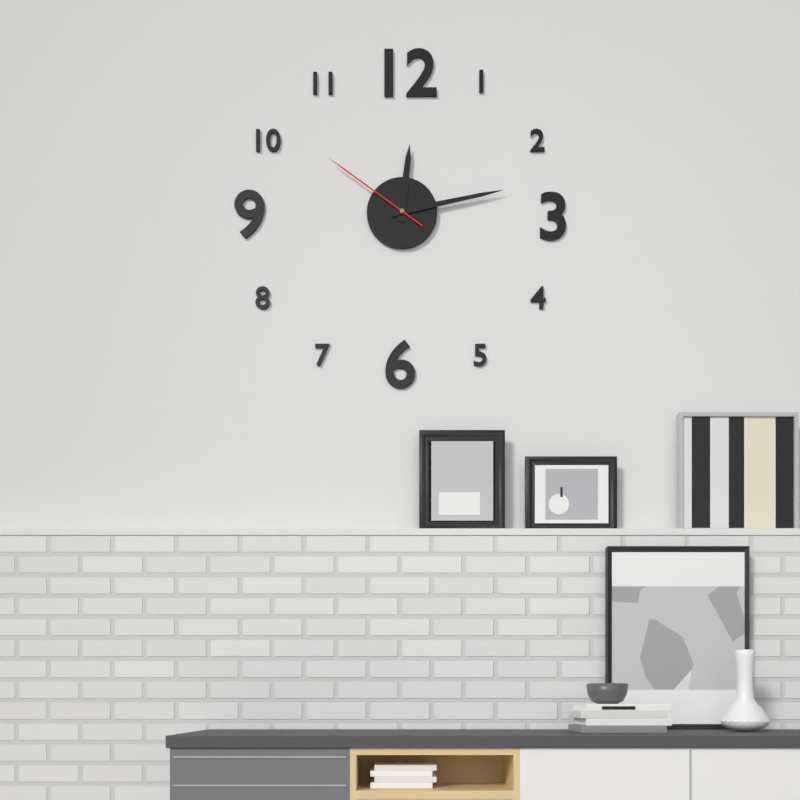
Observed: 12 h 13 min 51 s
